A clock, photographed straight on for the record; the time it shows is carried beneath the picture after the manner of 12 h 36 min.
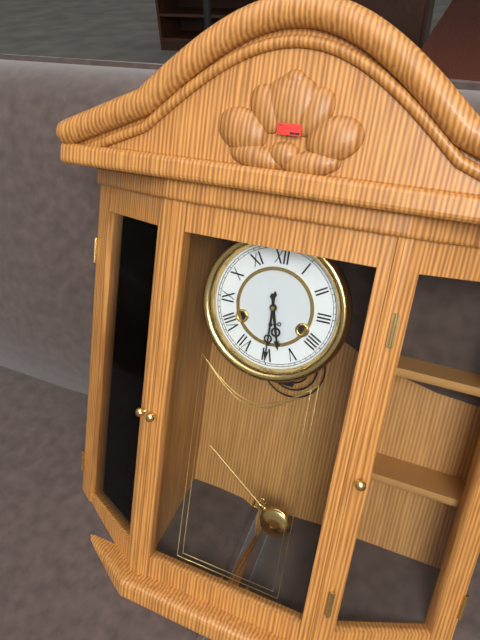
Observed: 5 h 30 min
